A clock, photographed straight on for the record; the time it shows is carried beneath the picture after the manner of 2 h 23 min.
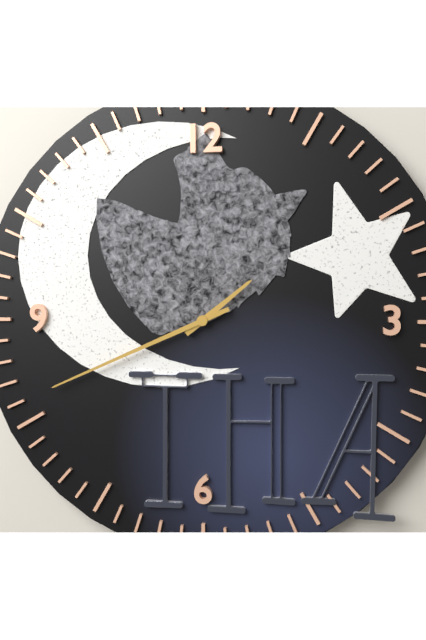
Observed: 1 h 41 min
